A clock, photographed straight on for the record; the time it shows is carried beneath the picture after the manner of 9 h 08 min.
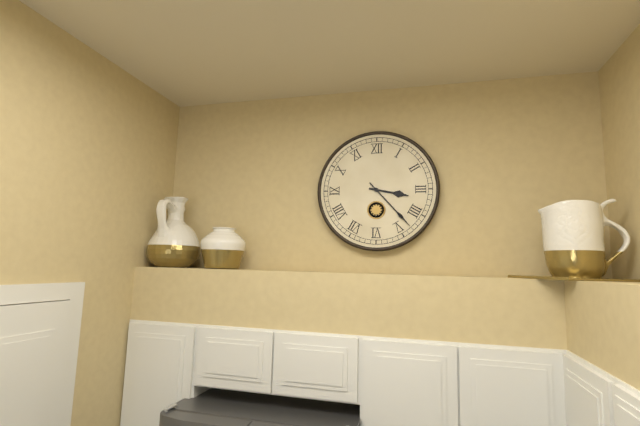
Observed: 3 h 23 min
